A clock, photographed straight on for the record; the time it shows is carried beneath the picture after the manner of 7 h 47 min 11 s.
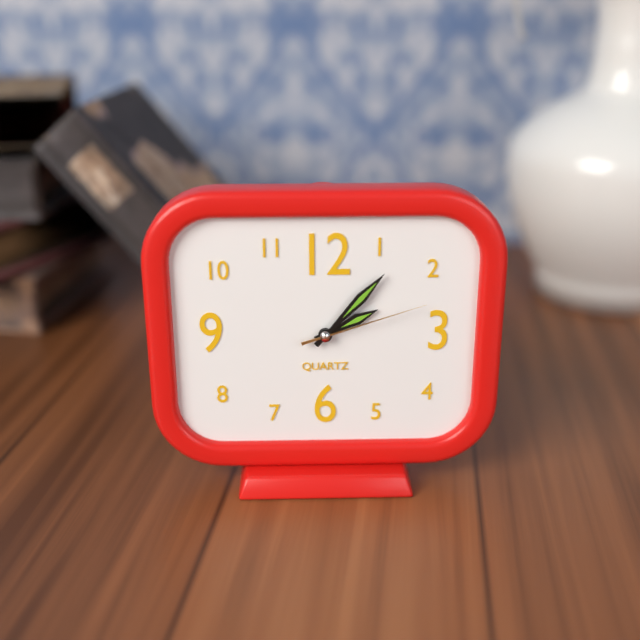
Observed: 2 h 07 min 12 s
